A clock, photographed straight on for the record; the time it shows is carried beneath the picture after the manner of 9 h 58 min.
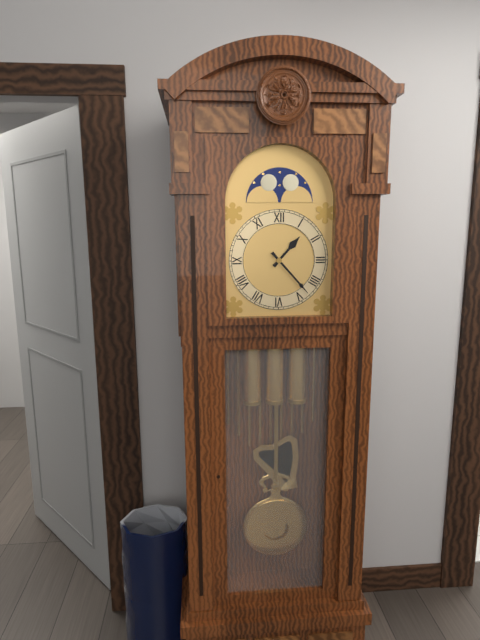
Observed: 1 h 23 min
